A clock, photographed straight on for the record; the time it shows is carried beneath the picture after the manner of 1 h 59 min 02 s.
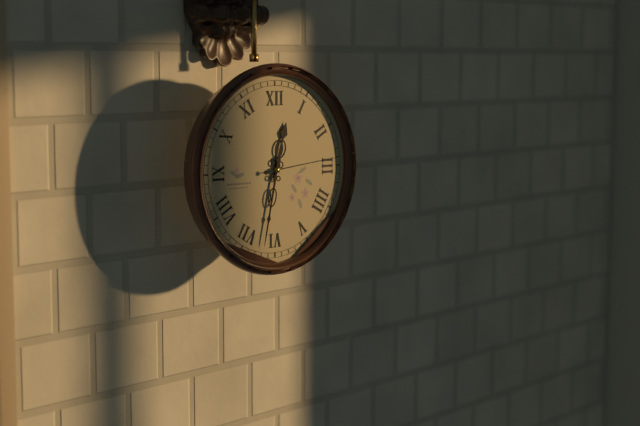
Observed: 12 h 32 min 14 s
